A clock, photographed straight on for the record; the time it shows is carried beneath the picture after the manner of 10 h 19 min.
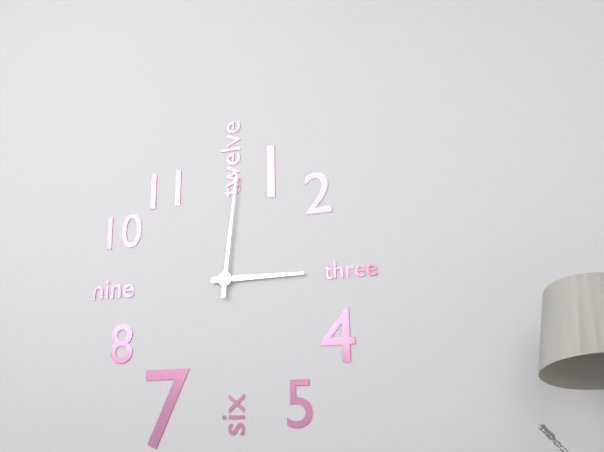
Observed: 3 h 01 min
